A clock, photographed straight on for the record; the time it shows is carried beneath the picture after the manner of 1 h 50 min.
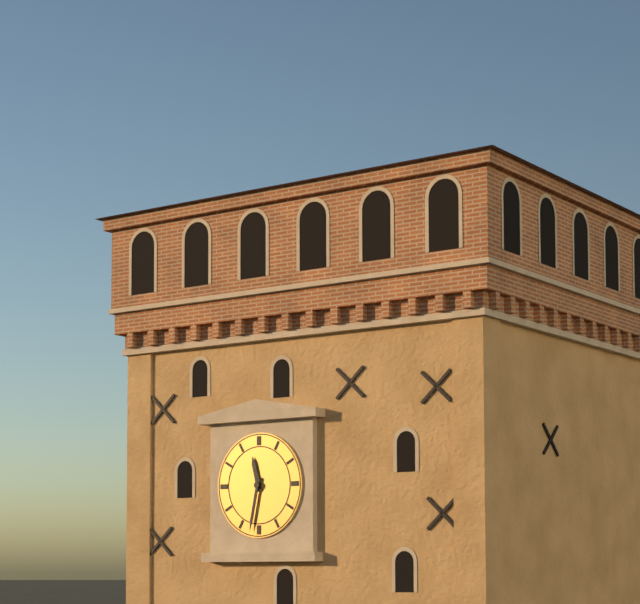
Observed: 11 h 32 min
